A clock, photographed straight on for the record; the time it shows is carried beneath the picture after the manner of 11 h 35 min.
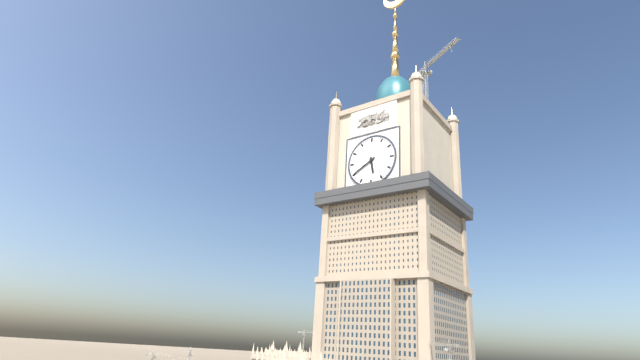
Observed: 5 h 40 min
